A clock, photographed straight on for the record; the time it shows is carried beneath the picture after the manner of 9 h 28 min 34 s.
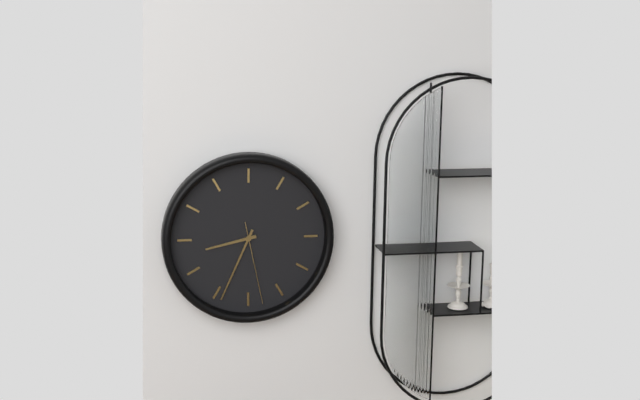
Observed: 8 h 34 min 28 s
